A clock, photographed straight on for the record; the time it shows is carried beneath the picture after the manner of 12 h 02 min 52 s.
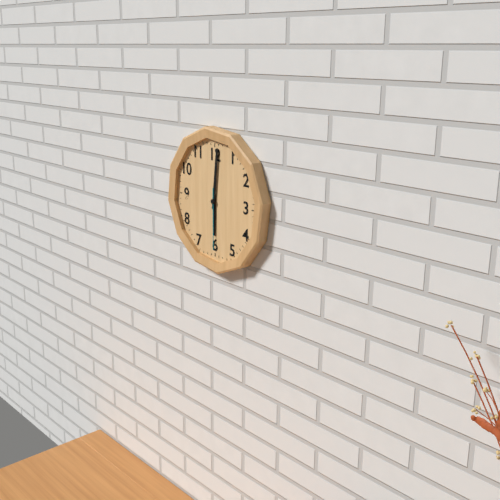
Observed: 6 h 01 min 30 s
